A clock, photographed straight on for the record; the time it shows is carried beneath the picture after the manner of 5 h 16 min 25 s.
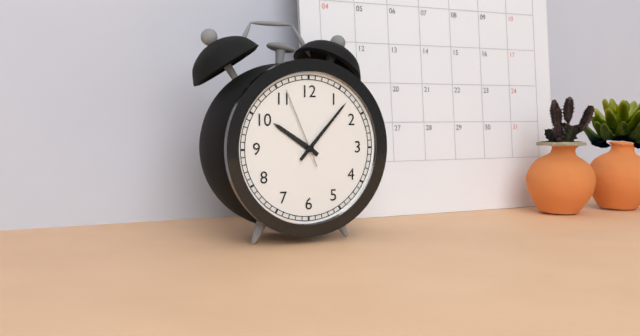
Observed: 10 h 07 min 56 s
